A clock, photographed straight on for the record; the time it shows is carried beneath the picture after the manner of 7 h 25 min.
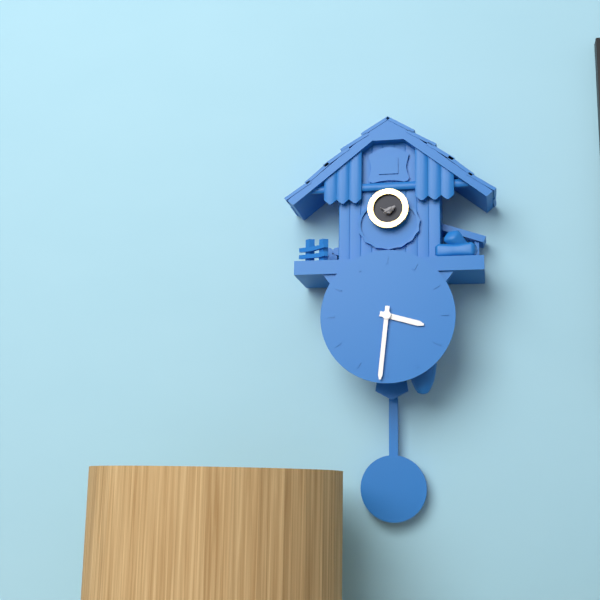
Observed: 3 h 31 min
